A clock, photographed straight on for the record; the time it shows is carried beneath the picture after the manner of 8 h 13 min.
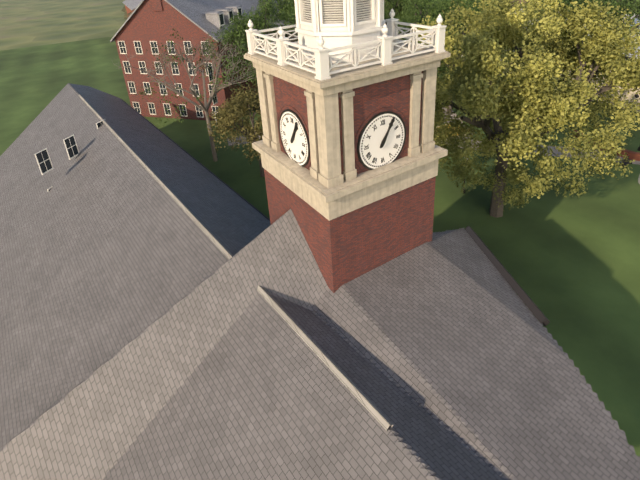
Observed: 1 h 05 min
